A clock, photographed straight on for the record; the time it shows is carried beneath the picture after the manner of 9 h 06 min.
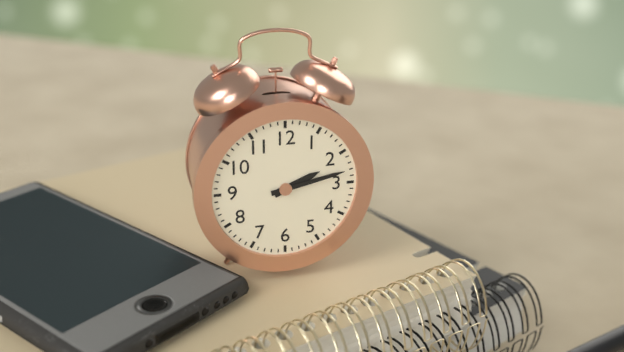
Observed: 2 h 13 min
